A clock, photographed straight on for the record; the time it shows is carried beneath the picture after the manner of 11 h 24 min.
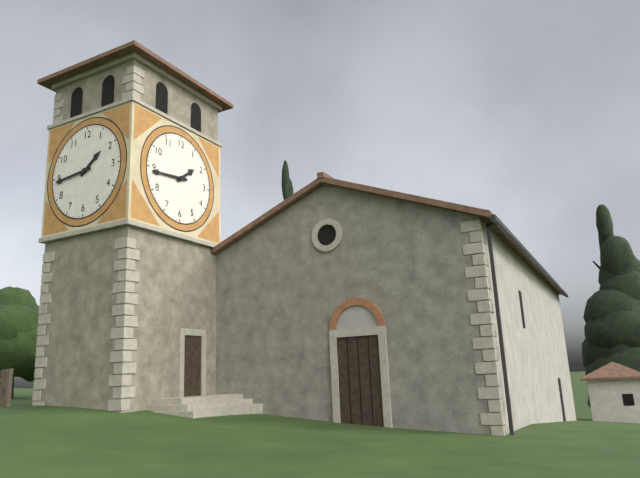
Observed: 1 h 44 min
